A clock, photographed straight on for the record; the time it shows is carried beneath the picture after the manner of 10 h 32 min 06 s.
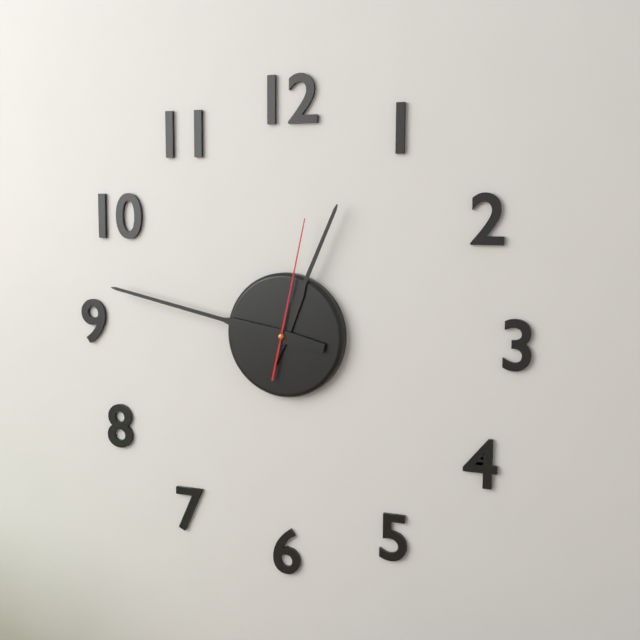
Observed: 12 h 47 min 02 s
